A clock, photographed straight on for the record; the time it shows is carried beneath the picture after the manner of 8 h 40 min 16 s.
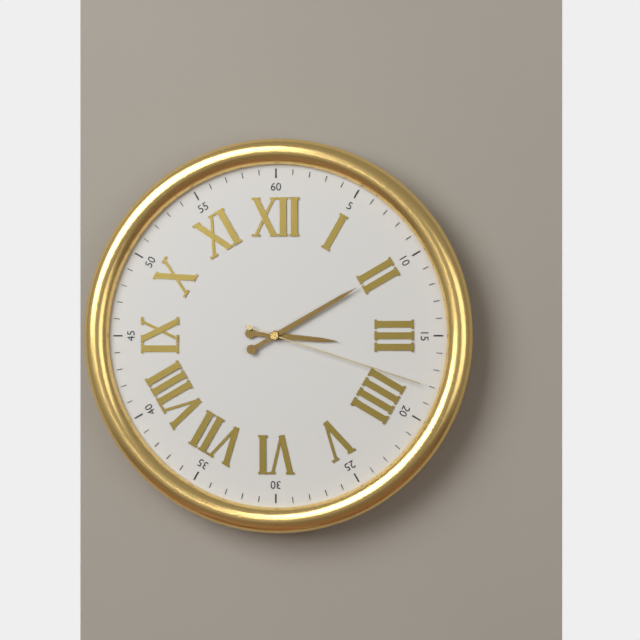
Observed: 3 h 10 min 18 s
